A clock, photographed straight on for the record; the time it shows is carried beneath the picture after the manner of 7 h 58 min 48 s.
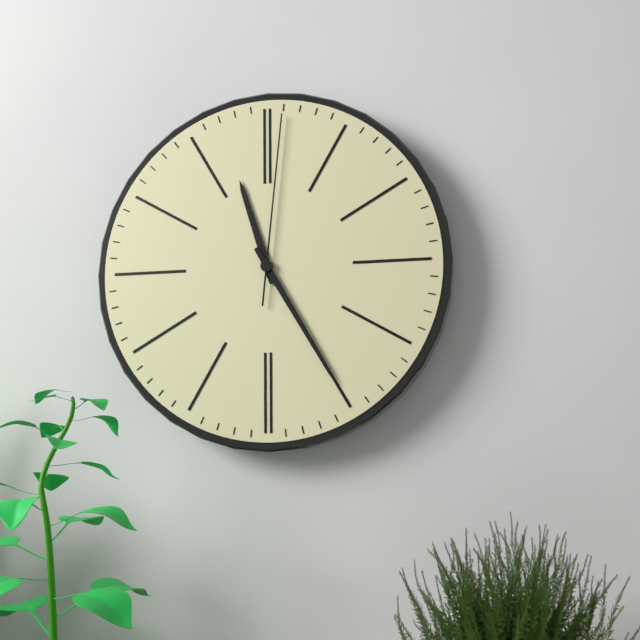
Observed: 11 h 25 min 01 s
